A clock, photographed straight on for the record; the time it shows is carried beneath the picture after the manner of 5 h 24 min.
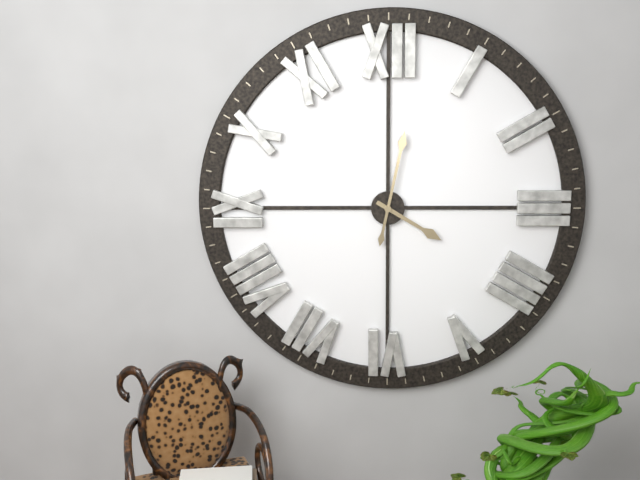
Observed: 4 h 02 min
